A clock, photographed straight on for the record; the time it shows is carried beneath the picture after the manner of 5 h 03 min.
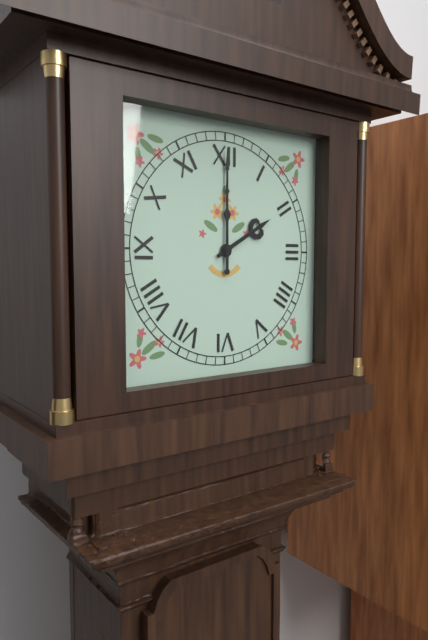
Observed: 2 h 00 min
